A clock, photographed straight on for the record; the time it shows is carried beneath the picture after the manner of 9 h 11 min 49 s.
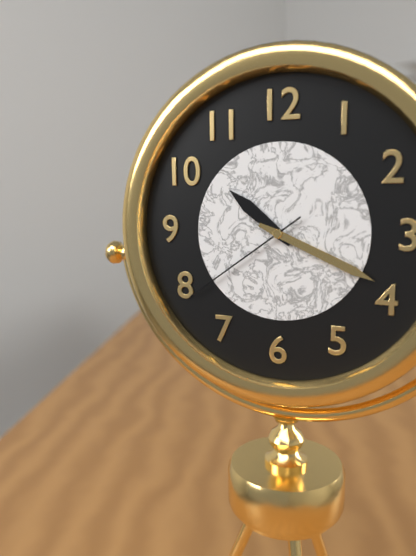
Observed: 10 h 19 min 39 s
